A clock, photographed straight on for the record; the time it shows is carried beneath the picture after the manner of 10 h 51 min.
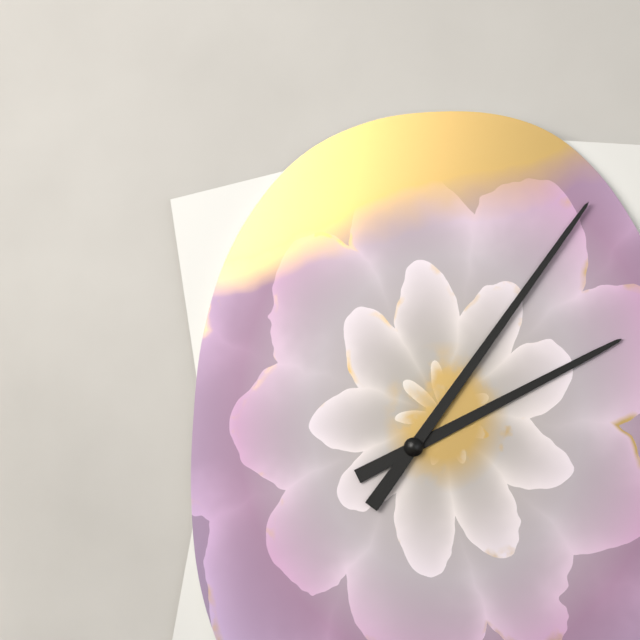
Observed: 2 h 06 min
